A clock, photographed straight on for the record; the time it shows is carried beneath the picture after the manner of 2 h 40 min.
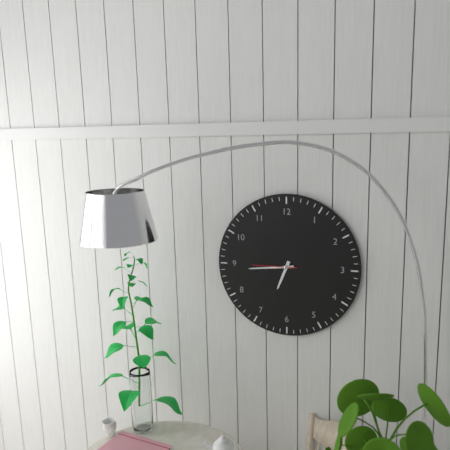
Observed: 6 h 44 min
